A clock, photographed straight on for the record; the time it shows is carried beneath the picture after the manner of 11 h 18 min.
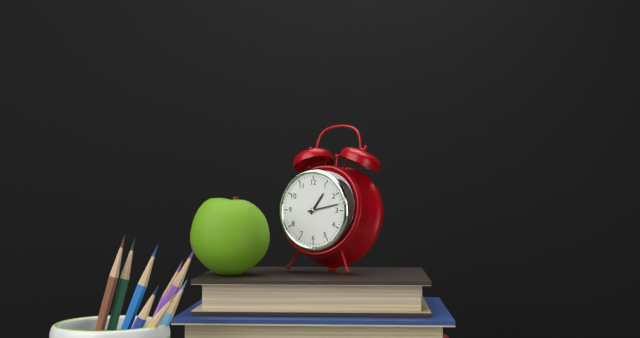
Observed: 1 h 13 min
